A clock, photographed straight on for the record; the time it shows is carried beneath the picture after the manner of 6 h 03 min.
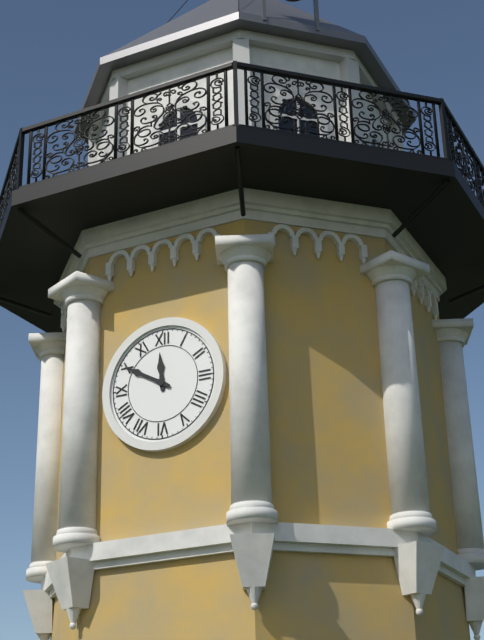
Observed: 11 h 50 min
